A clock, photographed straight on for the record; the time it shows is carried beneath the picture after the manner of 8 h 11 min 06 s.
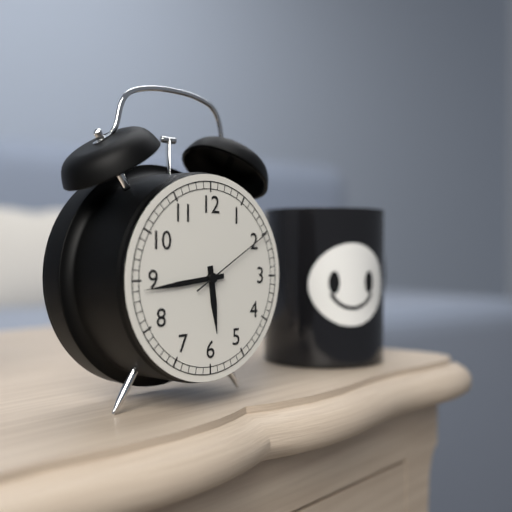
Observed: 5 h 44 min 10 s
